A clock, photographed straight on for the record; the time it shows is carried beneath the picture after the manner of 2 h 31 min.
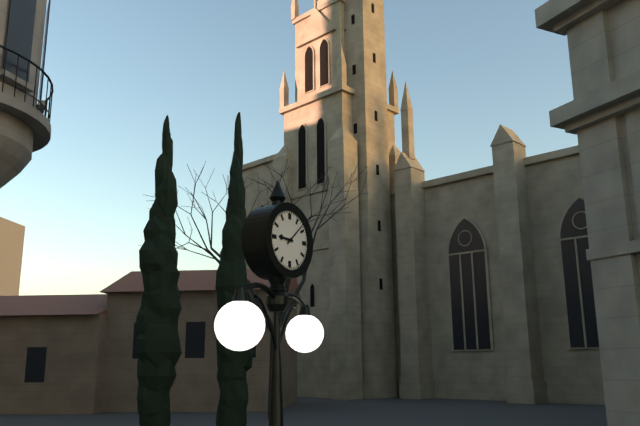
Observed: 9 h 08 min
